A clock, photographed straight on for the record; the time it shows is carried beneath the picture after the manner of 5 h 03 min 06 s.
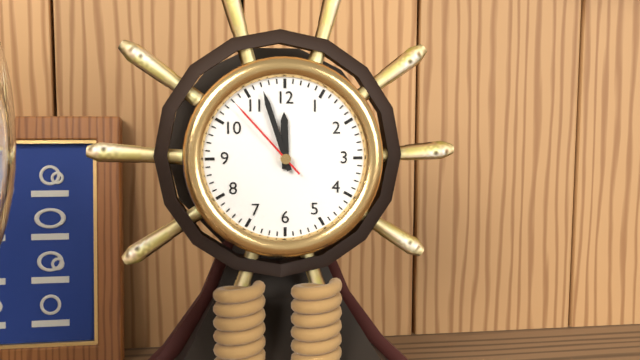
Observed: 11 h 57 min 53 s
